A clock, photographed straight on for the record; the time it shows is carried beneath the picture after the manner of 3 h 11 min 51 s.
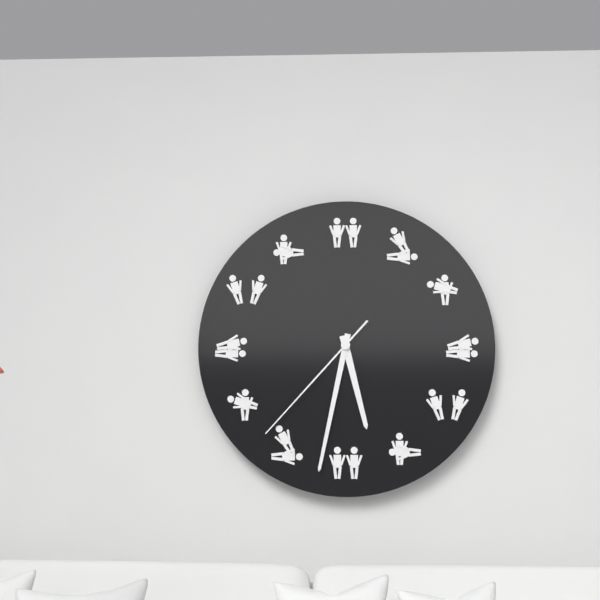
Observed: 5 h 32 min 37 s
